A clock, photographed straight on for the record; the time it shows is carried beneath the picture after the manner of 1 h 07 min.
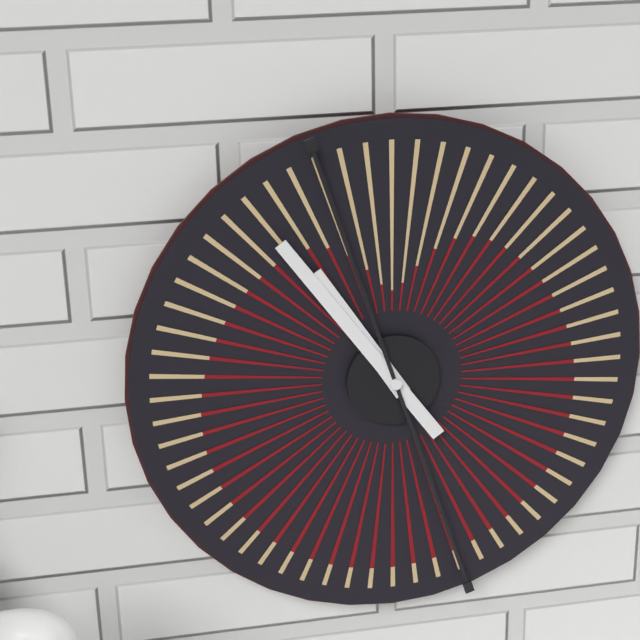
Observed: 10 h 54 min
